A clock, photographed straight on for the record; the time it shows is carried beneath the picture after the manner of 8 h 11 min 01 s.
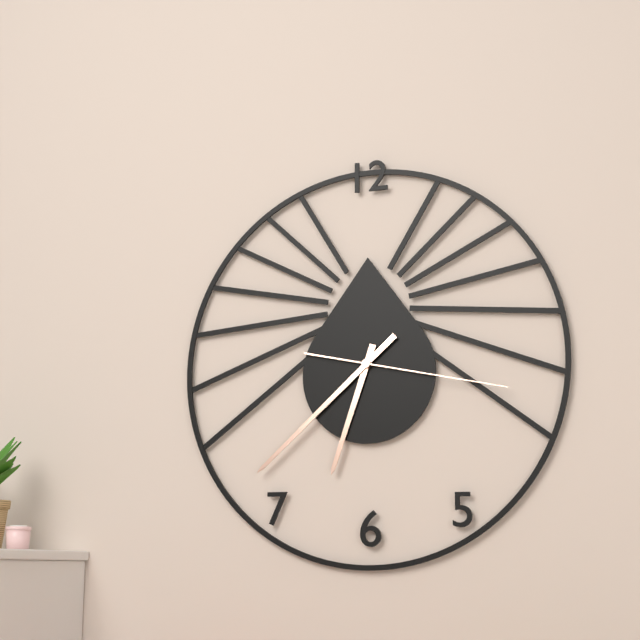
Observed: 6 h 38 min 17 s
